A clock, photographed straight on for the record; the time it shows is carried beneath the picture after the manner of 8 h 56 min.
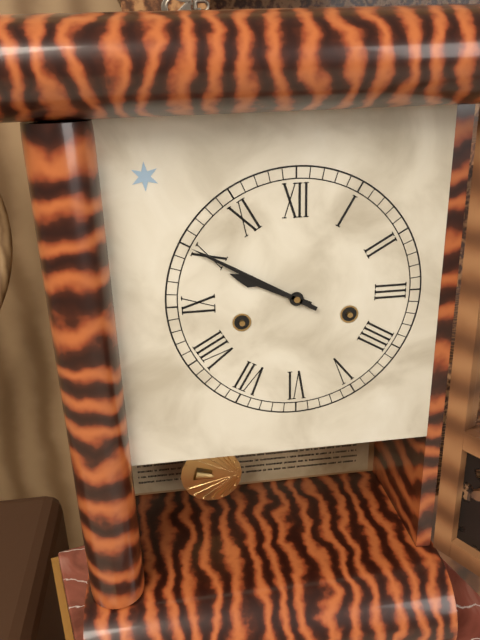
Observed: 9 h 50 min
